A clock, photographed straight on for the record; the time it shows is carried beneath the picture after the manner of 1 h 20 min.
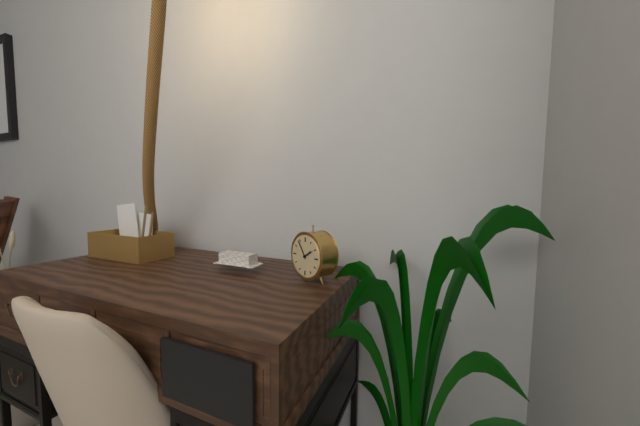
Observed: 1 h 54 min
